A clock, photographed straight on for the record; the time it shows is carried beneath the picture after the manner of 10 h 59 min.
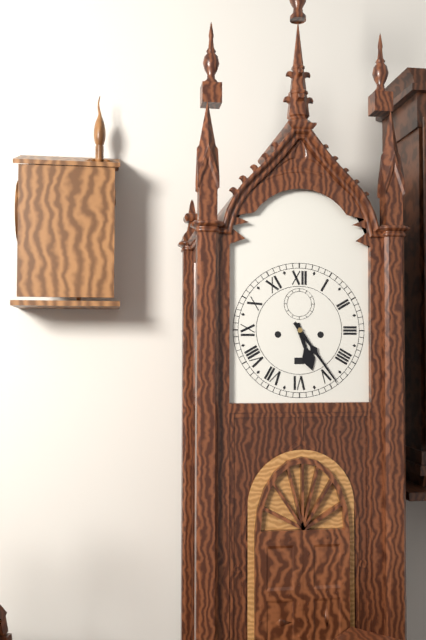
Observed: 5 h 24 min
